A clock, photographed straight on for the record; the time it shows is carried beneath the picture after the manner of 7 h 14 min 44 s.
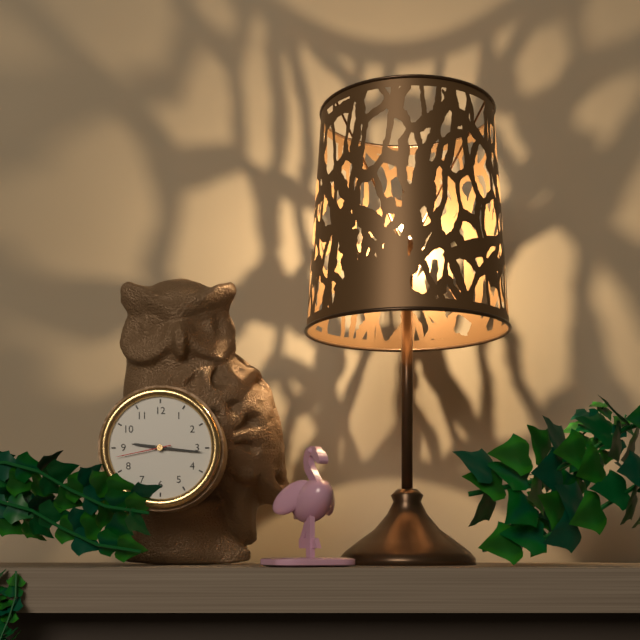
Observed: 9 h 16 min 43 s
